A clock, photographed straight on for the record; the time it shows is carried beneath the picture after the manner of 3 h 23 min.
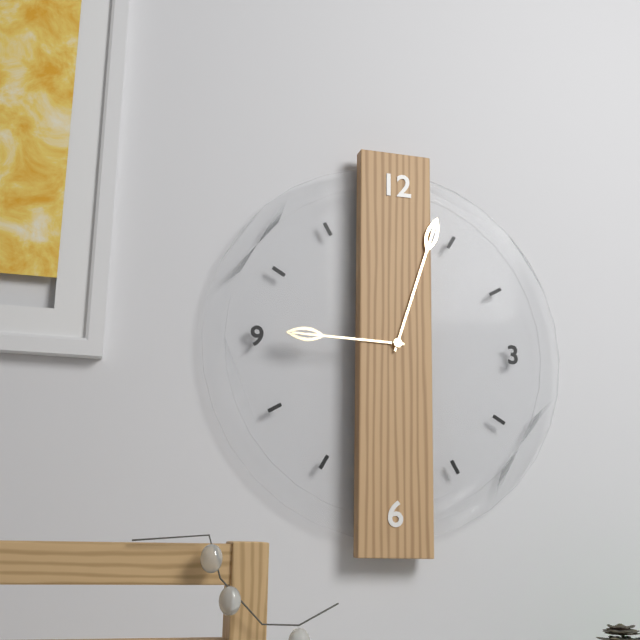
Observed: 9 h 03 min
